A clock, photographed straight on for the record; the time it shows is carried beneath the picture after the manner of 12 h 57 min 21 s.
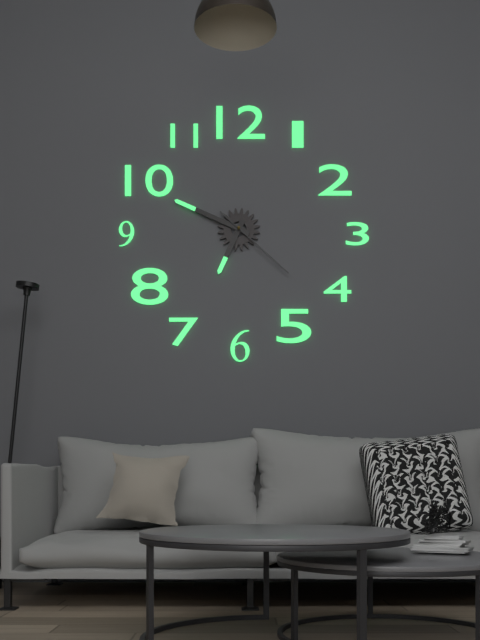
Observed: 6 h 49 min 22 s
